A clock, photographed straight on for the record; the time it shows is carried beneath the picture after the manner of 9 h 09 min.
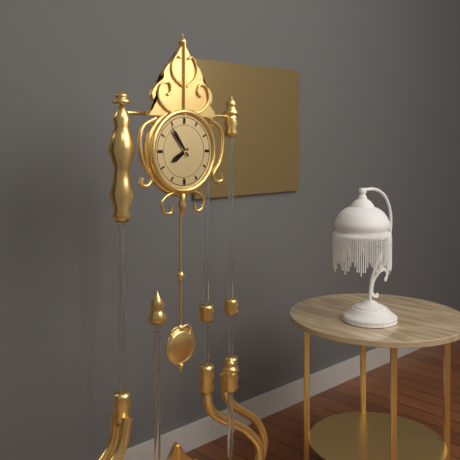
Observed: 7 h 54 min
